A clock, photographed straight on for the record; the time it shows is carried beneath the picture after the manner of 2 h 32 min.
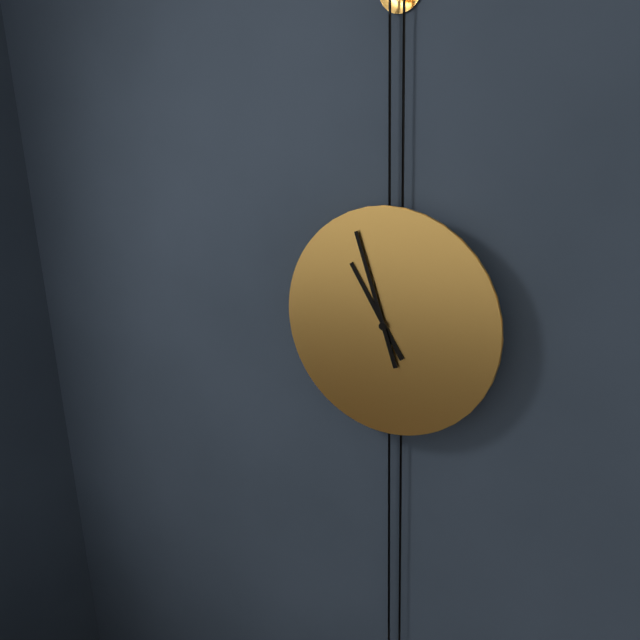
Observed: 10 h 57 min
